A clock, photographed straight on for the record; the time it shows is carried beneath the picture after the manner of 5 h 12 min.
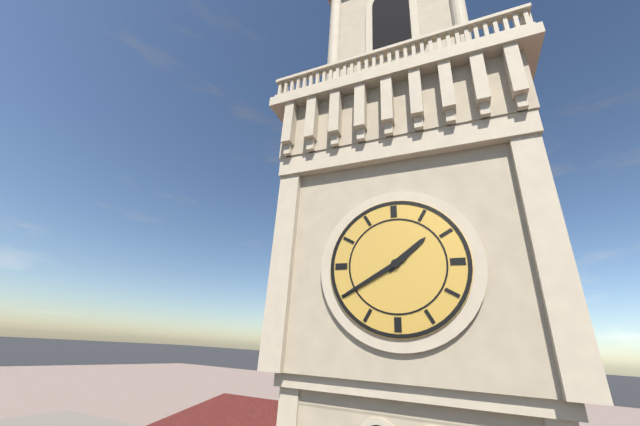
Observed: 1 h 40 min
